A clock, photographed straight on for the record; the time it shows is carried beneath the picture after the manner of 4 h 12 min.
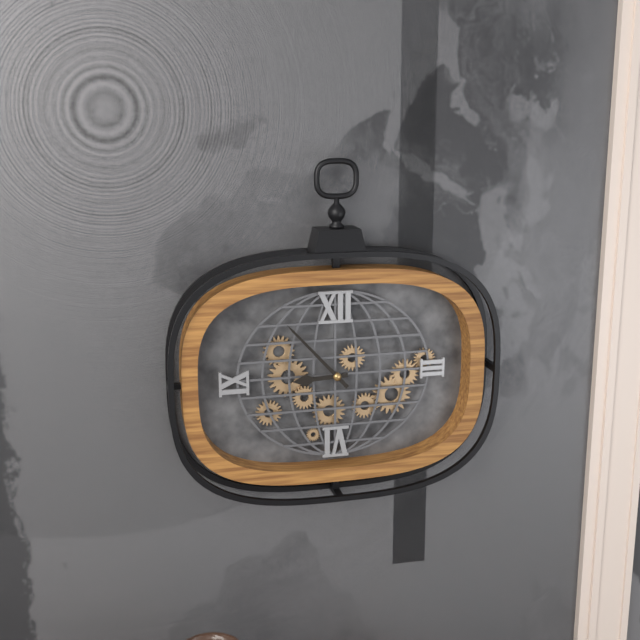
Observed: 8 h 53 min
